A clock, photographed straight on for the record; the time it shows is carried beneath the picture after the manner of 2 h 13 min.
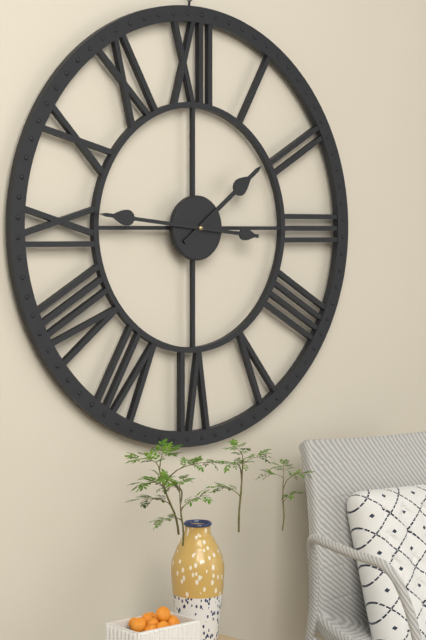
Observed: 1 h 46 min
